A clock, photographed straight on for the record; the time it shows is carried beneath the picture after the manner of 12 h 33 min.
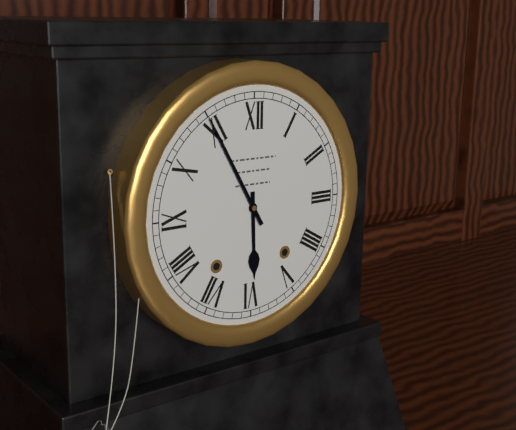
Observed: 5 h 55 min
